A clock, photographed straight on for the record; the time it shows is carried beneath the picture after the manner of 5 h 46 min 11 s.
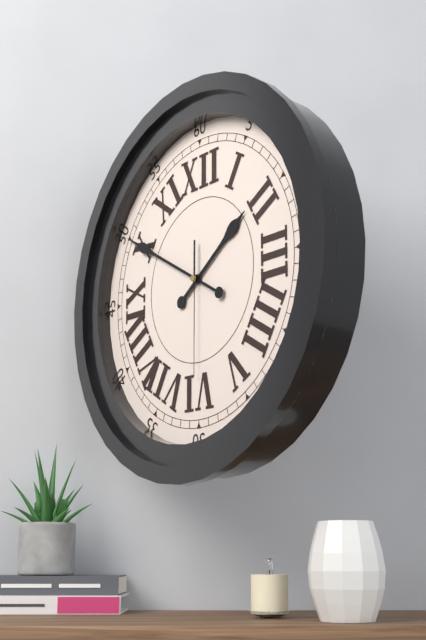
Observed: 1 h 50 min 30 s
